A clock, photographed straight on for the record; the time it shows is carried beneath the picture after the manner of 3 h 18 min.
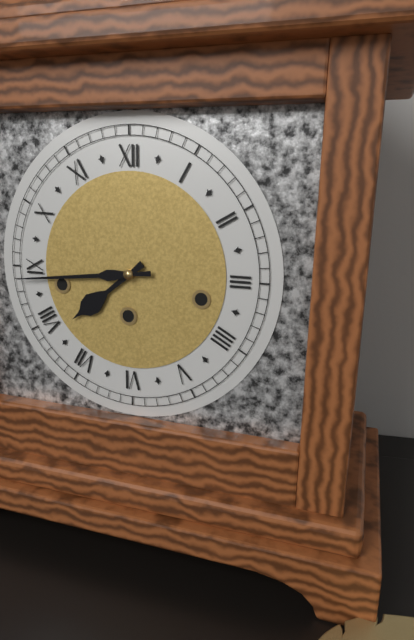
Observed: 7 h 44 min
